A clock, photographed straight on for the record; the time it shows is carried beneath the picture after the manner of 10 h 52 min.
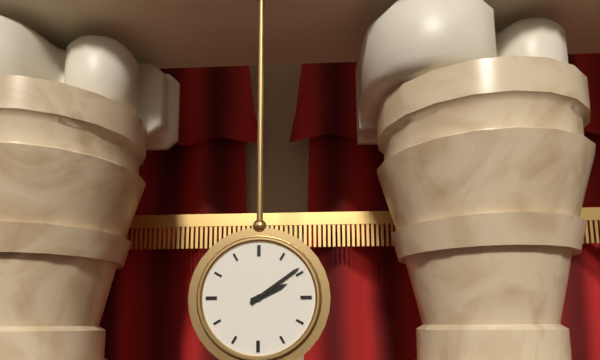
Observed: 2 h 09 min
